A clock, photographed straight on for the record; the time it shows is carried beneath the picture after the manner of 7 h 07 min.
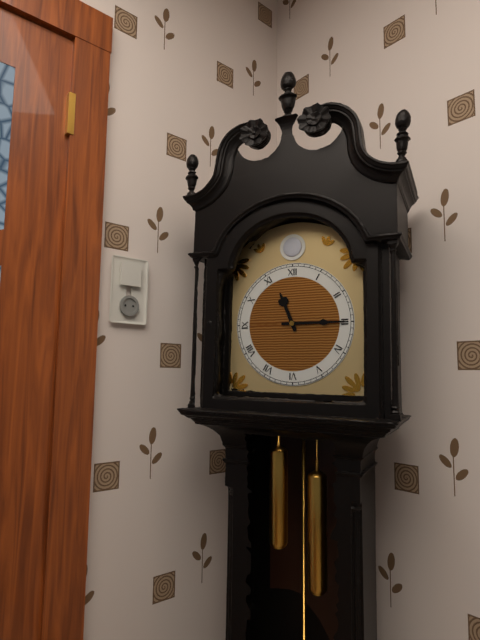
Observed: 11 h 15 min
